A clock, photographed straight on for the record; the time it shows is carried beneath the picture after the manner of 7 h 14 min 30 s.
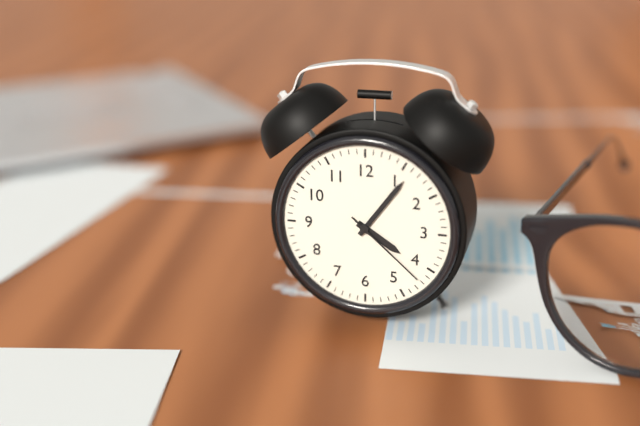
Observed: 4 h 06 min 22 s
